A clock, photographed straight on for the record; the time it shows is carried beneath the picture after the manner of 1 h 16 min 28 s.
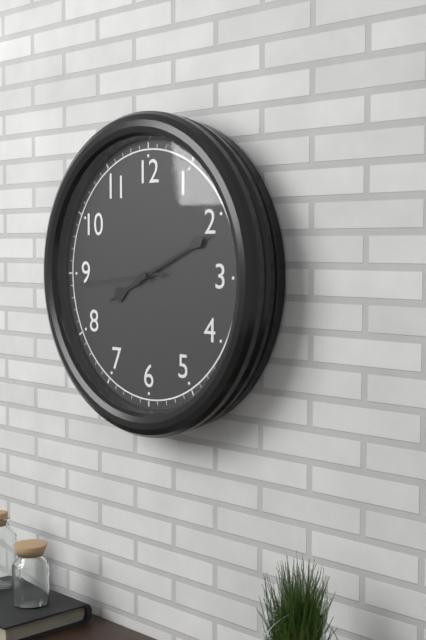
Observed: 8 h 11 min 44 s
